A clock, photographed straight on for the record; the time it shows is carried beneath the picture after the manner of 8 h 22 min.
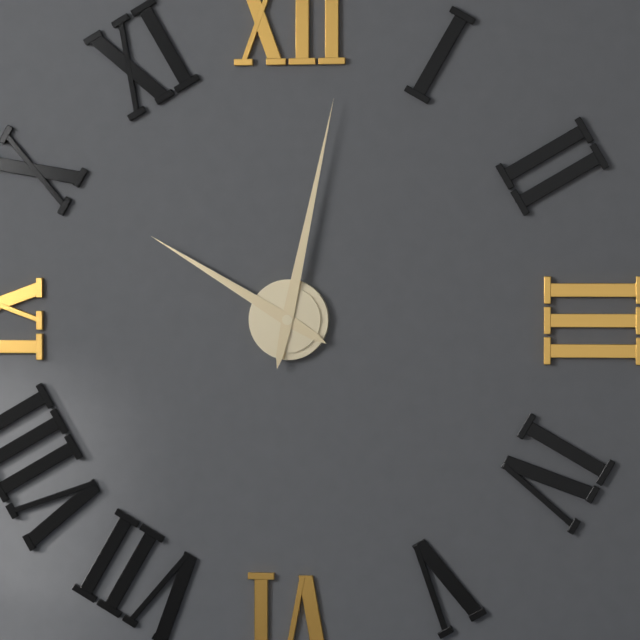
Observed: 10 h 02 min
